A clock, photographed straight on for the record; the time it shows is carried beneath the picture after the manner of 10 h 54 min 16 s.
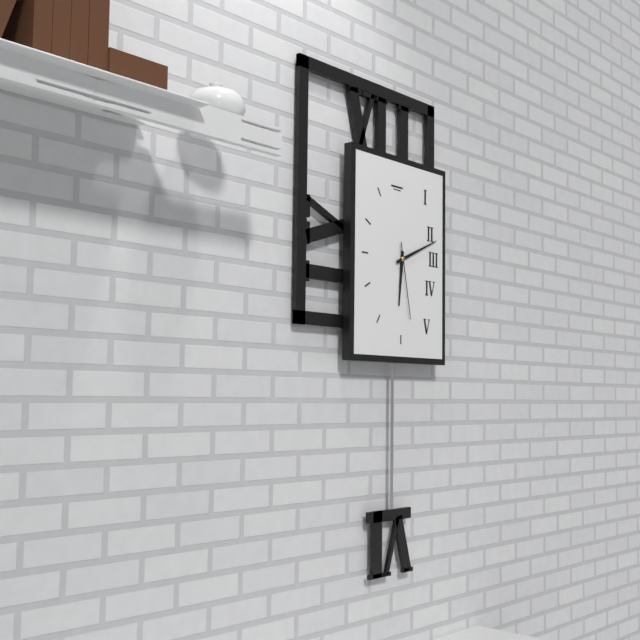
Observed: 6 h 11 min 28 s
